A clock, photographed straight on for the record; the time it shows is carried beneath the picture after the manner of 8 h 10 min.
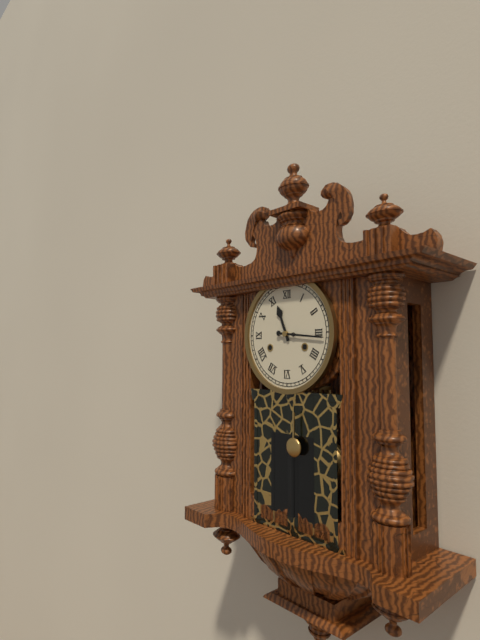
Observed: 11 h 16 min
